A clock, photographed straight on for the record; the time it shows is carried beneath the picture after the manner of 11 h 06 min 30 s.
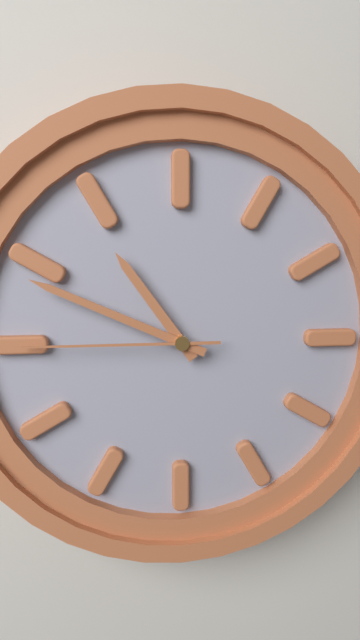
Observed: 10 h 49 min 45 s
